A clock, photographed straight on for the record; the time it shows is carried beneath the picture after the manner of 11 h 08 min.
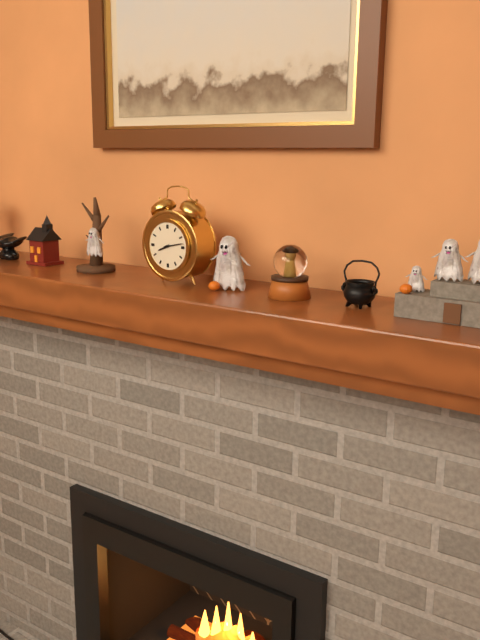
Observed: 8 h 13 min
